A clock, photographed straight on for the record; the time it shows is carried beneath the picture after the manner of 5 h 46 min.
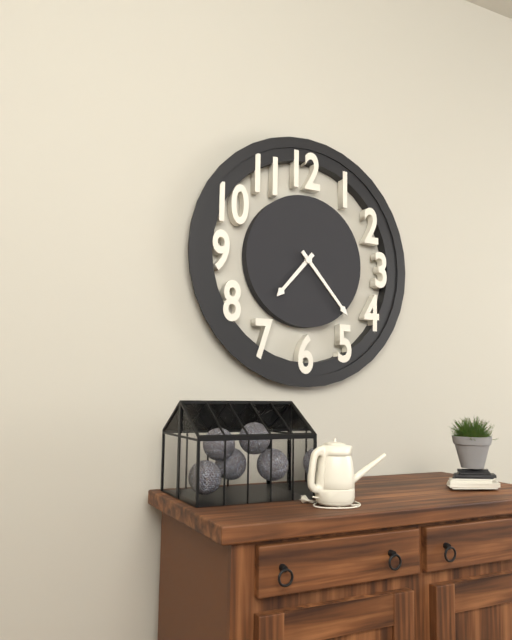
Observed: 7 h 23 min
